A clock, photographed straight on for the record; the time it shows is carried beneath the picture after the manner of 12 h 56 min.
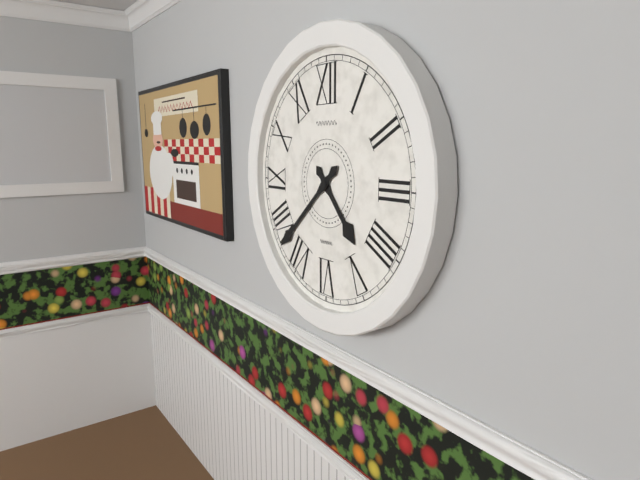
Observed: 4 h 38 min
